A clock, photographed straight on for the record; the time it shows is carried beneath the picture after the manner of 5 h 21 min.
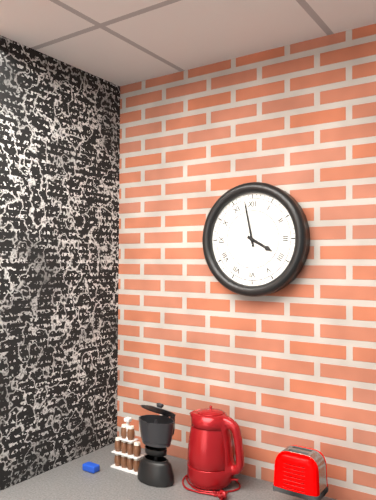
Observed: 3 h 58 min
